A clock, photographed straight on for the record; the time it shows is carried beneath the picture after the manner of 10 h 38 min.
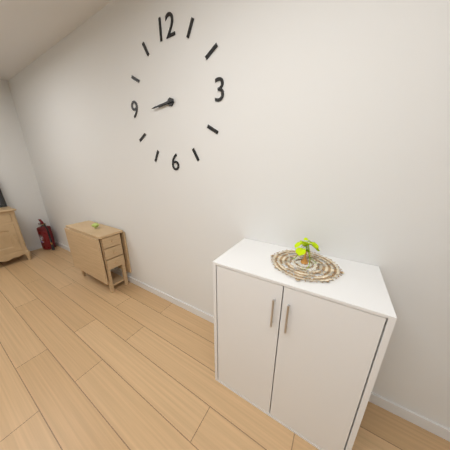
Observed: 8 h 44 min
